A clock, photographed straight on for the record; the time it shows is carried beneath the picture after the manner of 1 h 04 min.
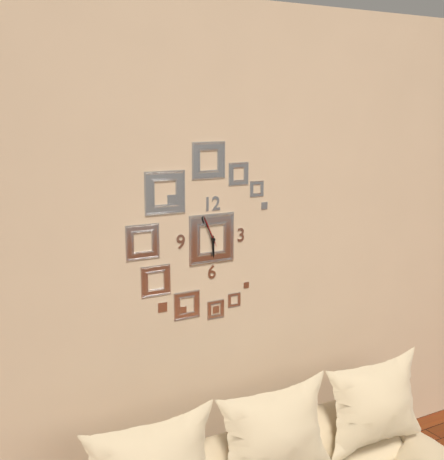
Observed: 5 h 56 min
